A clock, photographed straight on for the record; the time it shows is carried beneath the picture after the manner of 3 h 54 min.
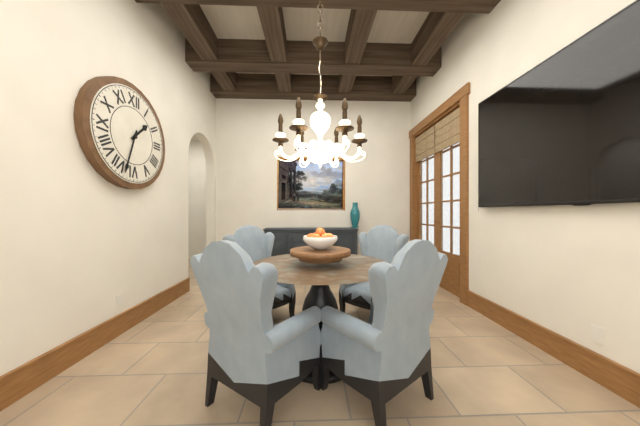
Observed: 1 h 33 min
